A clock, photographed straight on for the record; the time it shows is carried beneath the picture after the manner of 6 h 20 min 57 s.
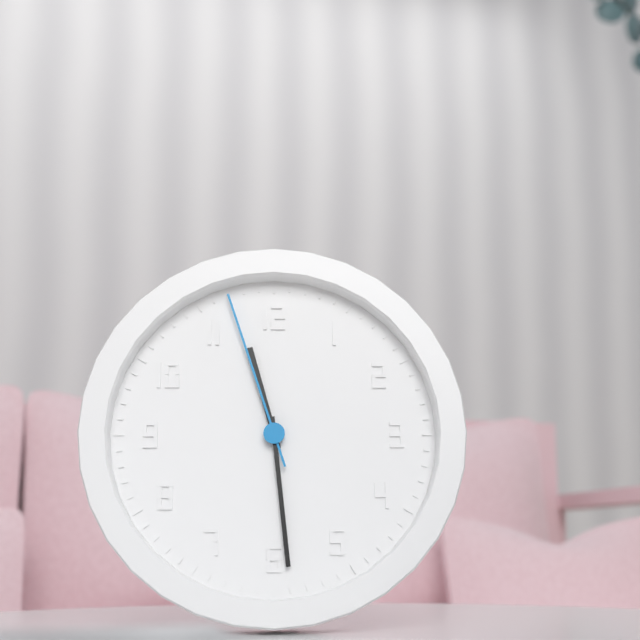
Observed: 11 h 29 min 57 s
